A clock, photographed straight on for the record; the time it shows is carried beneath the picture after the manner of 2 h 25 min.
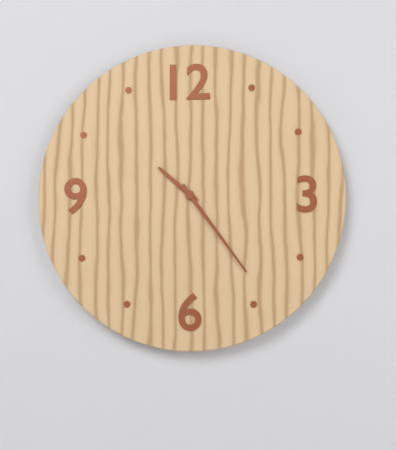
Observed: 10 h 24 min
